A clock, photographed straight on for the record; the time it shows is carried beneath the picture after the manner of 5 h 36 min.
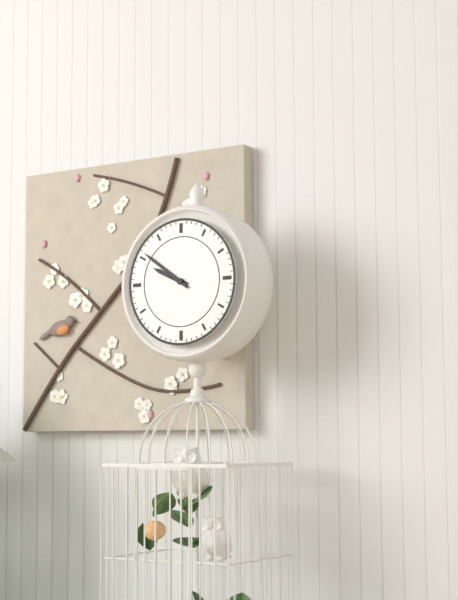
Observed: 9 h 51 min
